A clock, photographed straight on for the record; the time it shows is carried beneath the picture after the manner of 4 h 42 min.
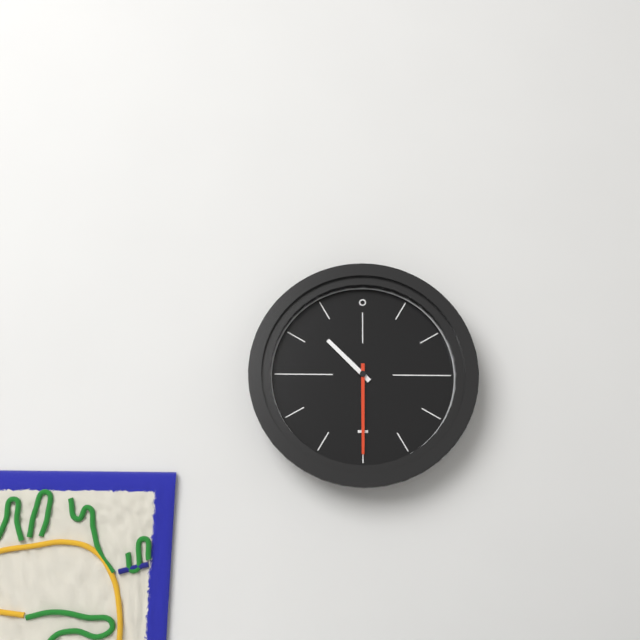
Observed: 10 h 30 min
